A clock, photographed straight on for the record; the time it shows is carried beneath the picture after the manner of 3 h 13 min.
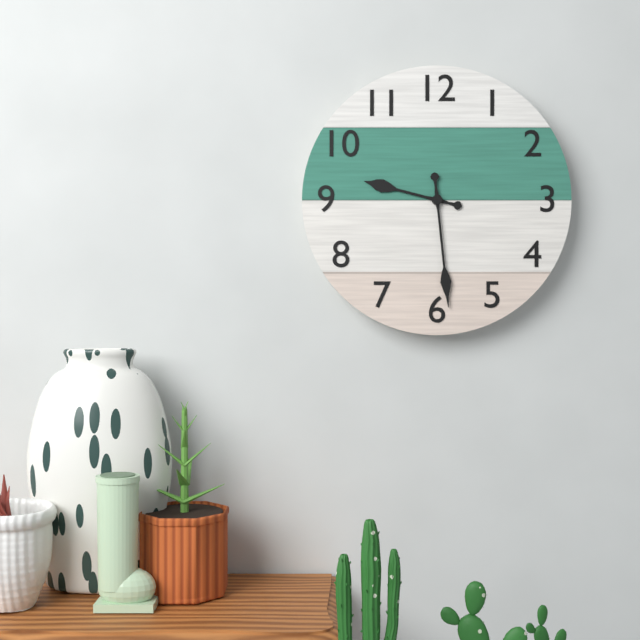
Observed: 9 h 29 min
